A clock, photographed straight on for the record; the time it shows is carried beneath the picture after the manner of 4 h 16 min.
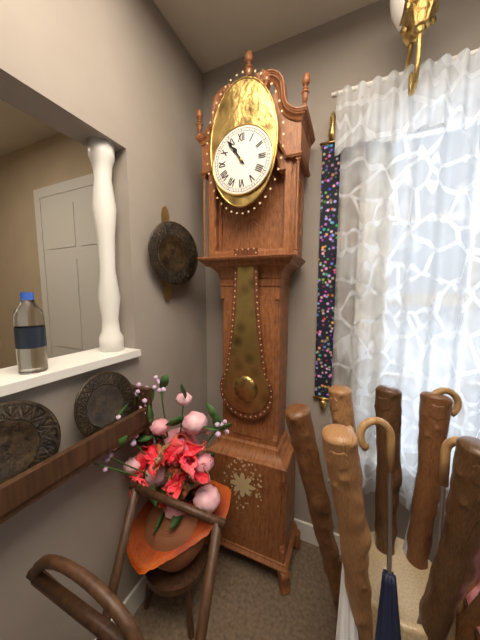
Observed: 10 h 54 min
